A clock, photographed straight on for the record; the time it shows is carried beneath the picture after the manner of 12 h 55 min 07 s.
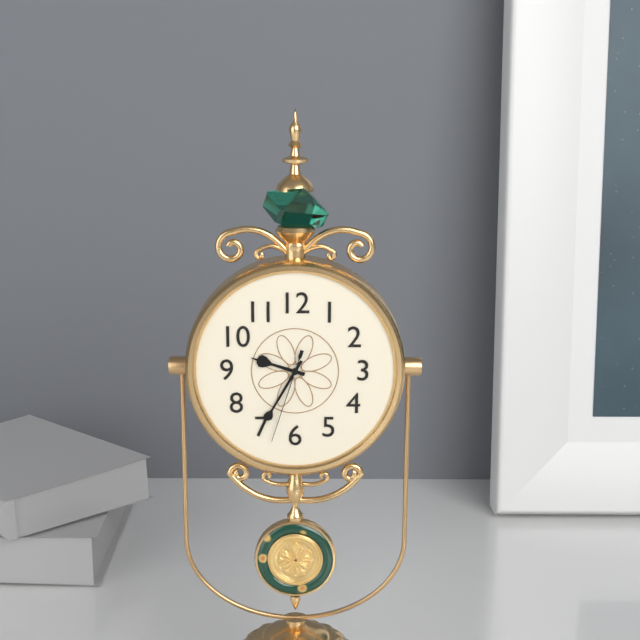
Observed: 9 h 35 min 33 s
